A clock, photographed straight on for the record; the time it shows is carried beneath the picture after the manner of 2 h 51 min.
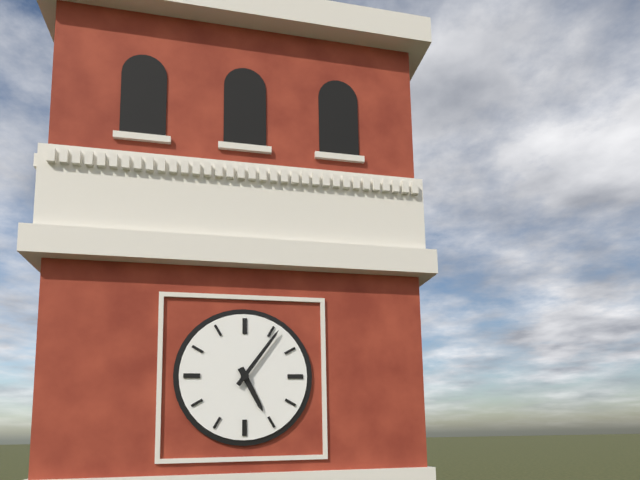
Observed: 5 h 06 min
